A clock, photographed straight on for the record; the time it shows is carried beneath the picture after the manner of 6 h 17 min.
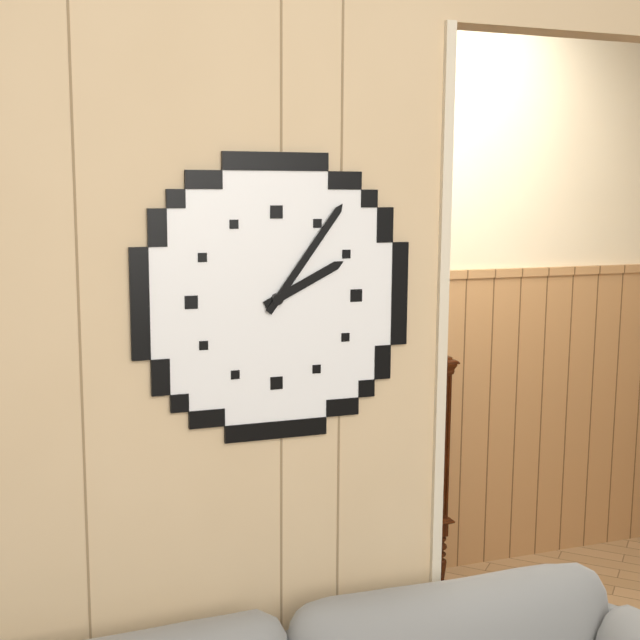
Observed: 2 h 06 min
